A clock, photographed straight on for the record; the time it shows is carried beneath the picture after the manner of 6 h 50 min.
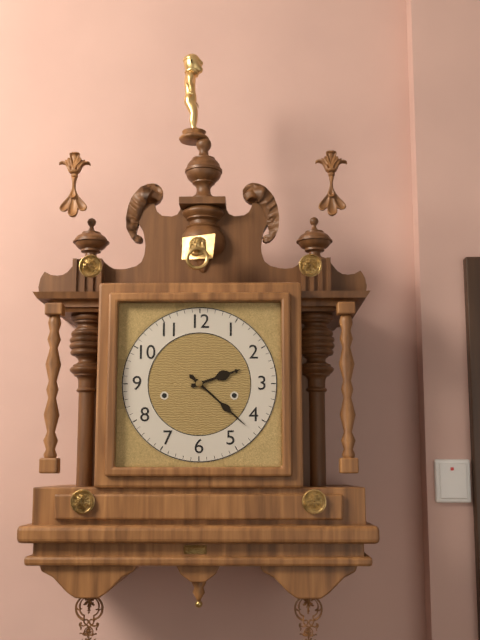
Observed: 2 h 22 min
